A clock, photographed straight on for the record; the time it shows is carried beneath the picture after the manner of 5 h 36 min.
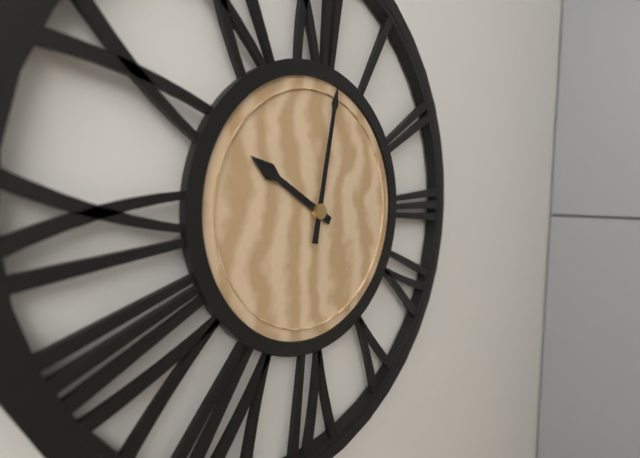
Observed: 10 h 02 min
